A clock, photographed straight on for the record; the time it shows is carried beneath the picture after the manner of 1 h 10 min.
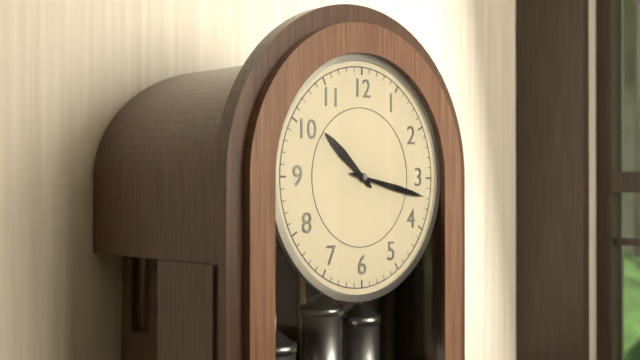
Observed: 10 h 17 min
